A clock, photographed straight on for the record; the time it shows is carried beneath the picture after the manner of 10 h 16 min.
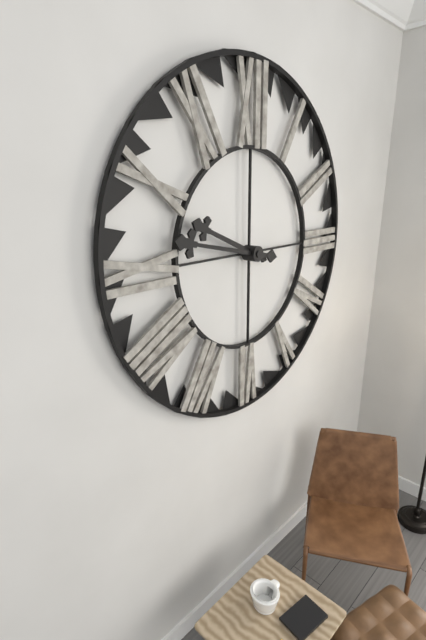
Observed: 9 h 47 min
